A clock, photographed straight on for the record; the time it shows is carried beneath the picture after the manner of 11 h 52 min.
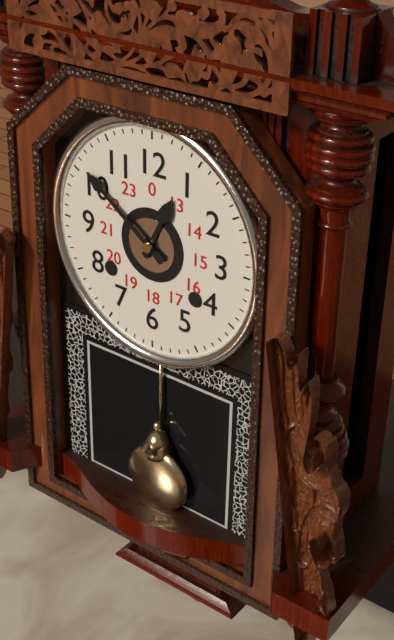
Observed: 12 h 51 min
